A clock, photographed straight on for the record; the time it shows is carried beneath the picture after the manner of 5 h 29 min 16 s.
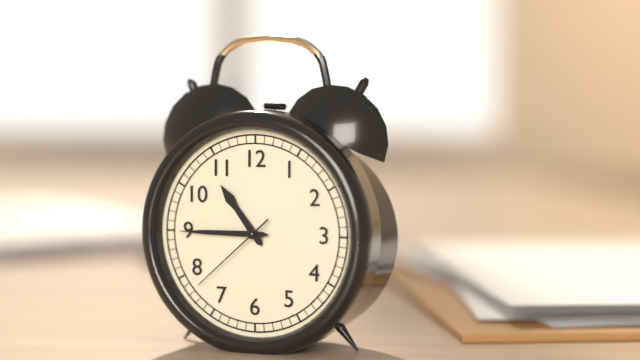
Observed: 10 h 45 min 38 s
